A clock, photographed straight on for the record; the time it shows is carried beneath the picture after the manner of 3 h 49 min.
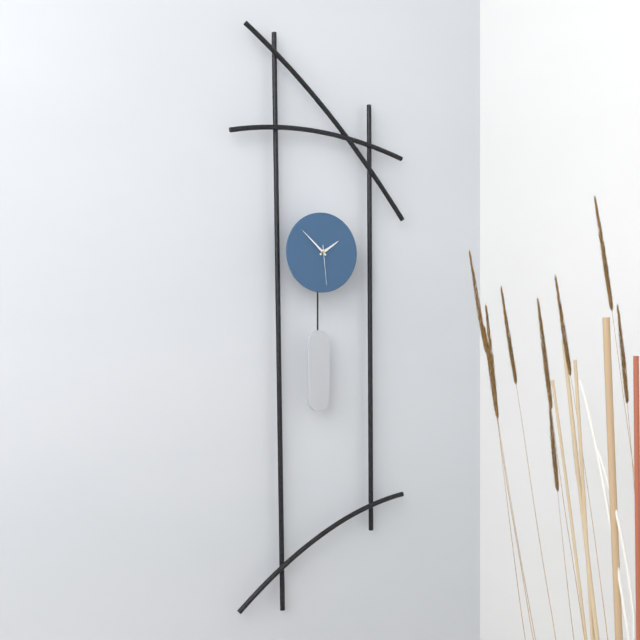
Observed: 1 h 52 min
